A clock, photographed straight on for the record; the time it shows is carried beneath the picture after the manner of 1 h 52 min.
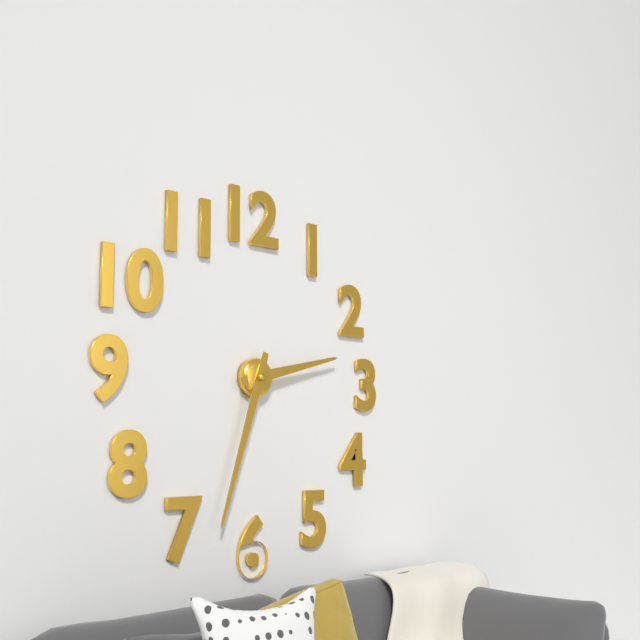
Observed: 2 h 33 min
